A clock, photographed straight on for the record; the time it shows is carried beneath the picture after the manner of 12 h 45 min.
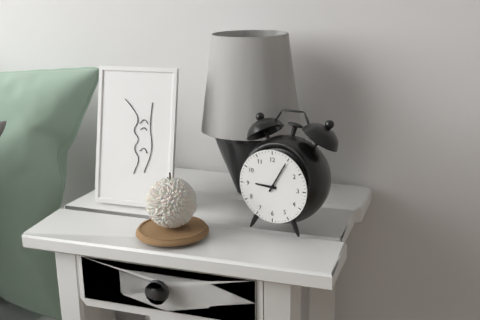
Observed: 9 h 05 min
